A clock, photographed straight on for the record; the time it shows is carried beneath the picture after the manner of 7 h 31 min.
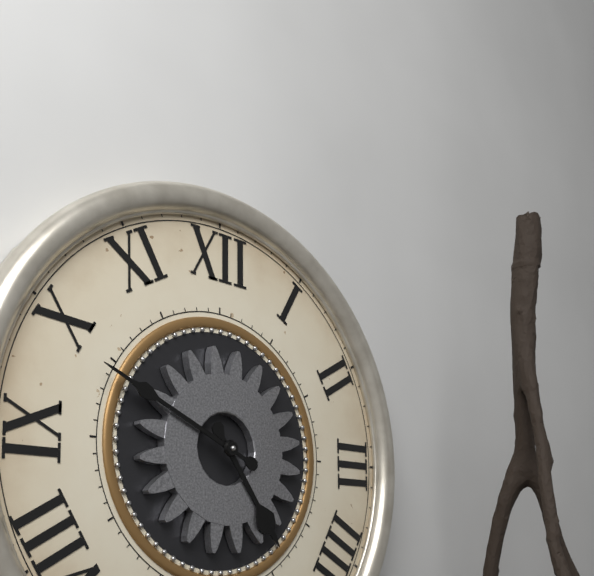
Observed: 4 h 49 min
